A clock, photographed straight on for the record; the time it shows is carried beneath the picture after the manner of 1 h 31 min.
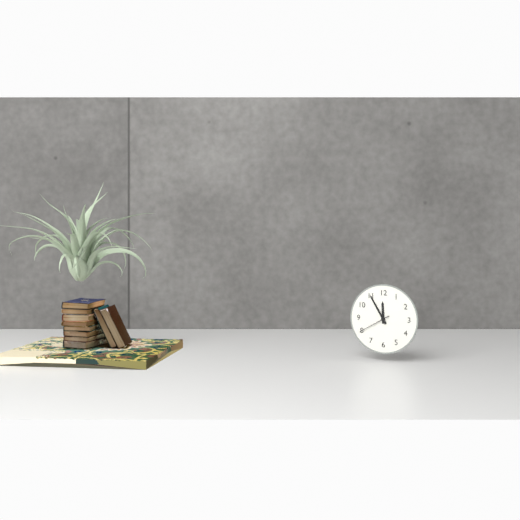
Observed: 11 h 55 min
